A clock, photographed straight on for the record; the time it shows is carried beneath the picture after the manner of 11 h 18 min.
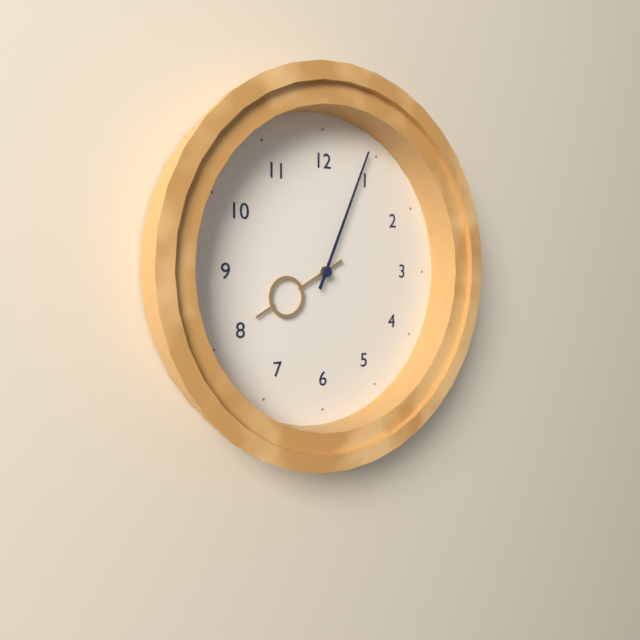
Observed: 8 h 04 min
